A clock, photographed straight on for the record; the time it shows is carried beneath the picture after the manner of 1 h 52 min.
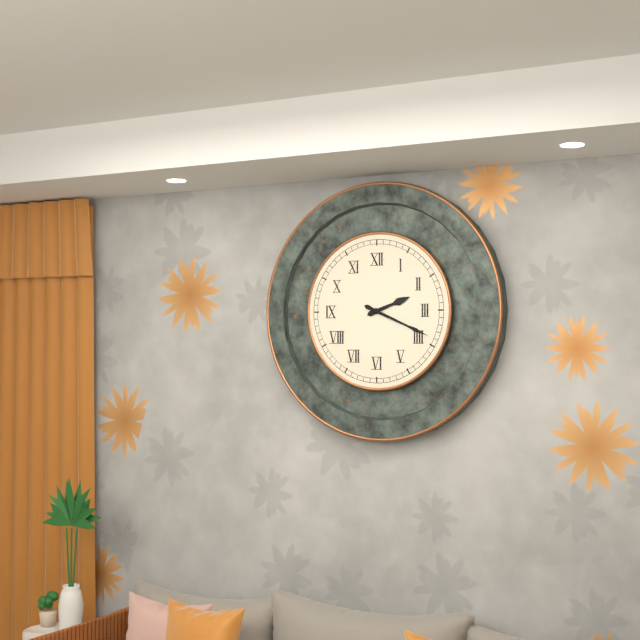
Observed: 2 h 19 min
